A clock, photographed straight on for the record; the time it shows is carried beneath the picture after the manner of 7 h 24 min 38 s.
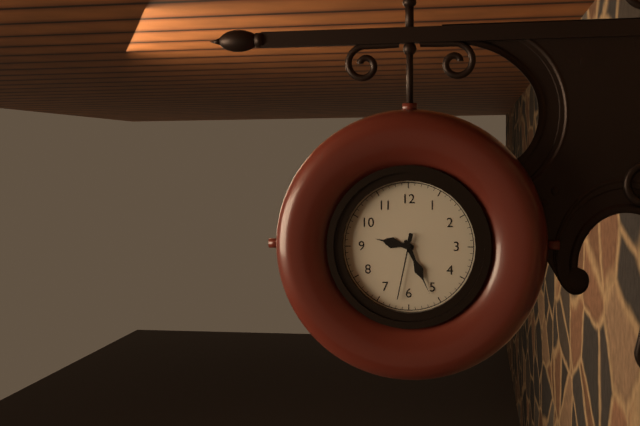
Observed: 9 h 26 min 32 s
